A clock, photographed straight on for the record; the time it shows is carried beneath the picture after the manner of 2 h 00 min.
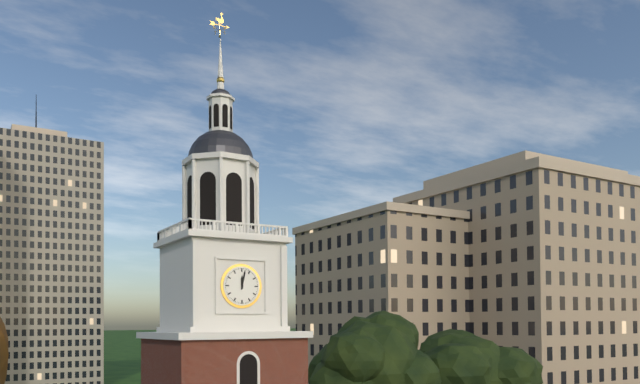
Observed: 12 h 02 min
